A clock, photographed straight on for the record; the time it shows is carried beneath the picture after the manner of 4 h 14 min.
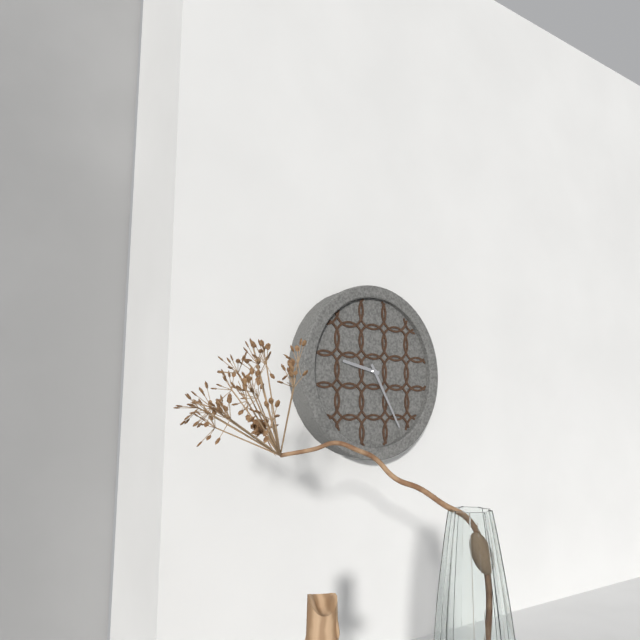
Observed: 9 h 25 min
